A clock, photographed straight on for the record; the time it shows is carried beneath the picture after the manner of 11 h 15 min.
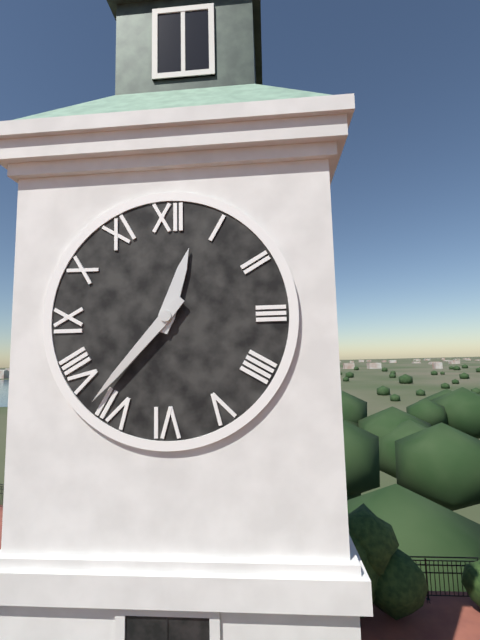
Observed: 12 h 37 min
